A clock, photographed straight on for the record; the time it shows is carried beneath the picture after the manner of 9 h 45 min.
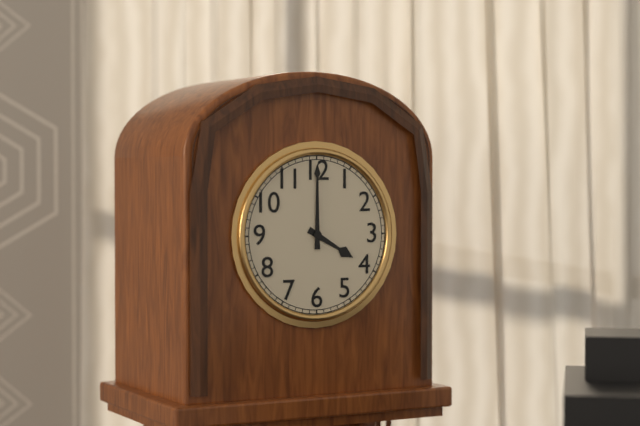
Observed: 4 h 00 min
